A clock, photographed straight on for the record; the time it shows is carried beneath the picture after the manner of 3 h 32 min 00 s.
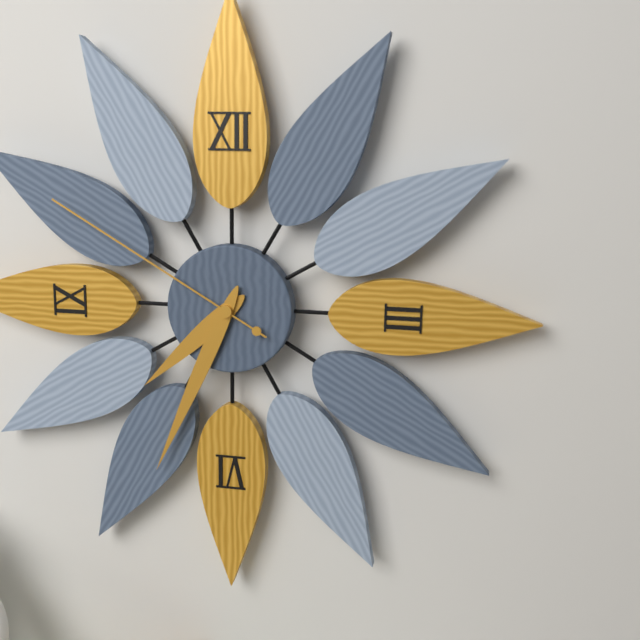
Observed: 7 h 34 min 50 s
